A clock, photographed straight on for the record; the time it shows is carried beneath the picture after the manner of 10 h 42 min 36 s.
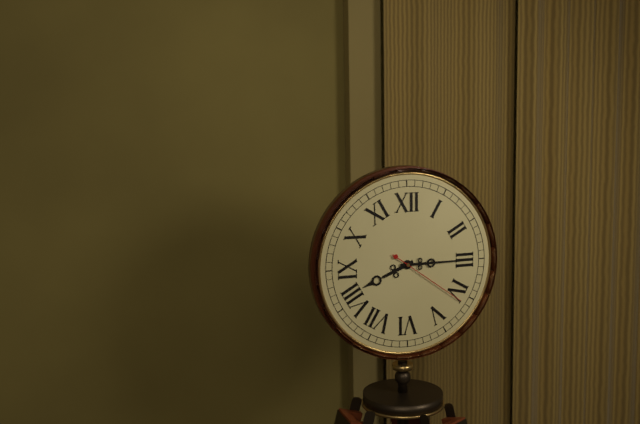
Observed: 8 h 15 min 21 s
